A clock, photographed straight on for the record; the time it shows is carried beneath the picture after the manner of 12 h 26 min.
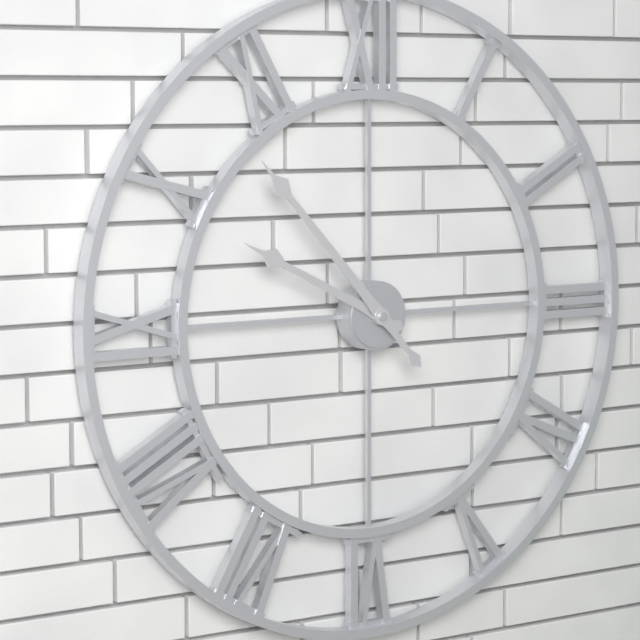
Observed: 9 h 53 min
